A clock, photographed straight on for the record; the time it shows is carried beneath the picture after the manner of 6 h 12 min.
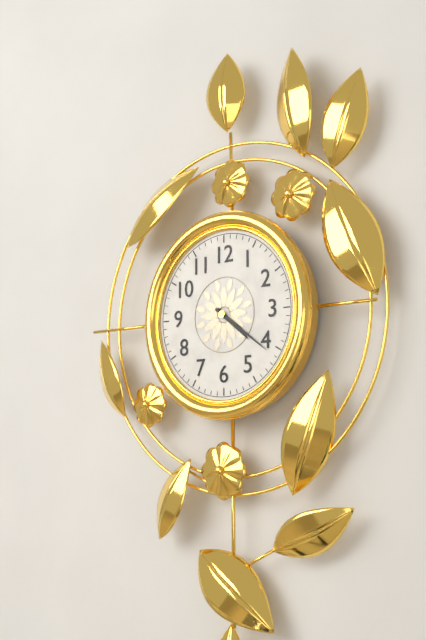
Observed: 4 h 21 min
